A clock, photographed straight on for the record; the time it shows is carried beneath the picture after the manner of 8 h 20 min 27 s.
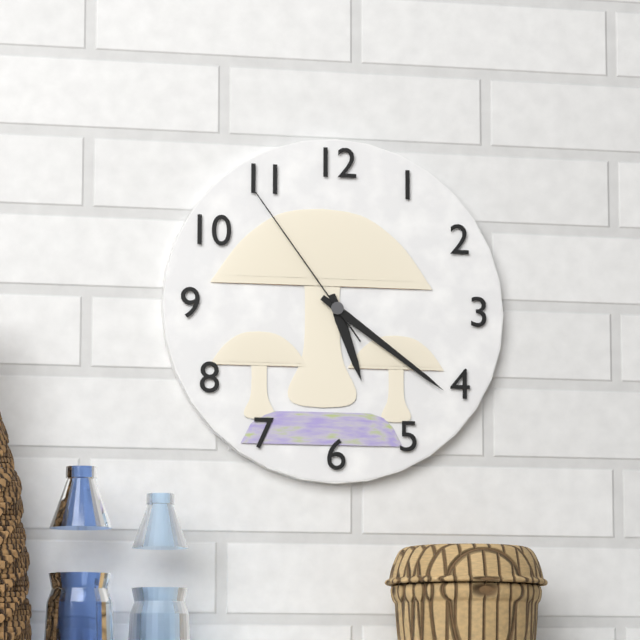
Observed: 5 h 21 min 54 s
